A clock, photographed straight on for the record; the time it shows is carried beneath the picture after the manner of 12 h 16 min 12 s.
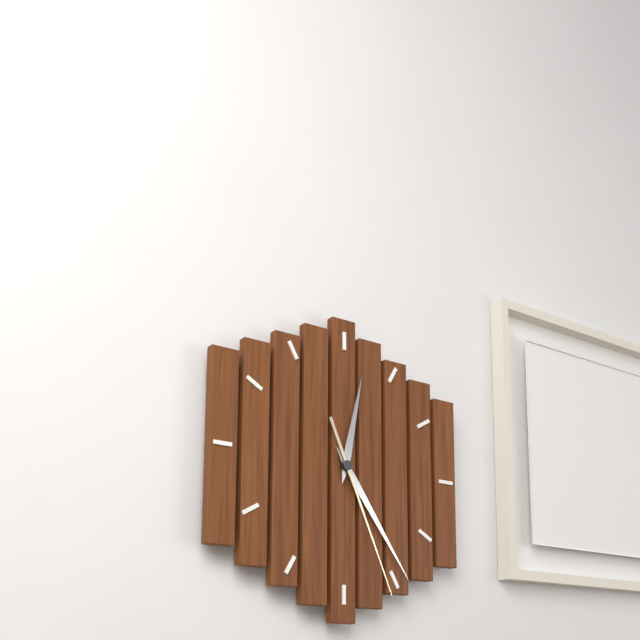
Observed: 12 h 24 min 26 s
